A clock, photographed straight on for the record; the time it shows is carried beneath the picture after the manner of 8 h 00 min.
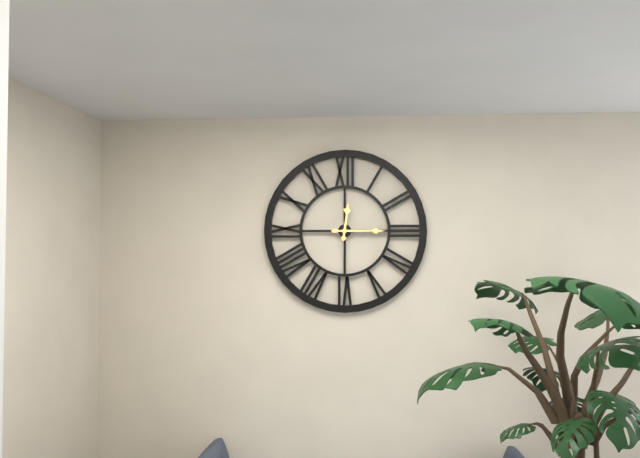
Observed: 12 h 15 min
